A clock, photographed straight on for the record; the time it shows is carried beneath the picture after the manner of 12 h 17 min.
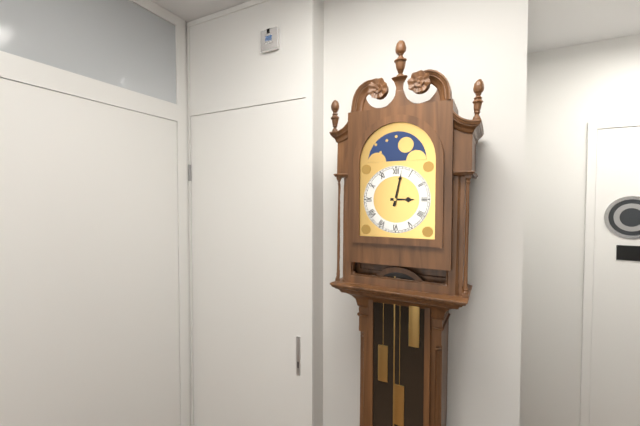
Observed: 3 h 02 min
